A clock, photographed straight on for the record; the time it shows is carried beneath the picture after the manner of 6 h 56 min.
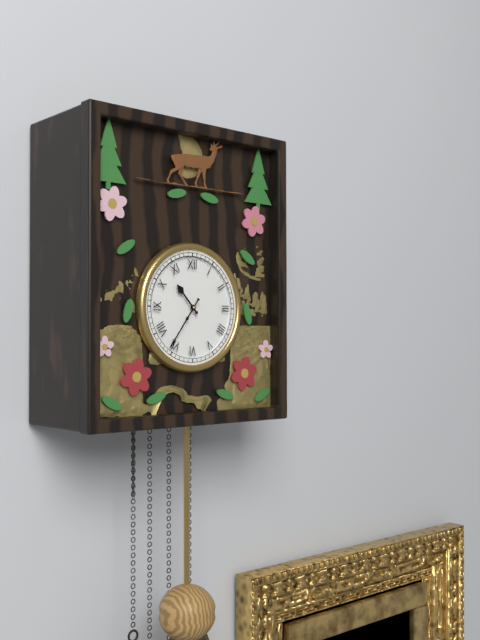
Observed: 10 h 36 min
